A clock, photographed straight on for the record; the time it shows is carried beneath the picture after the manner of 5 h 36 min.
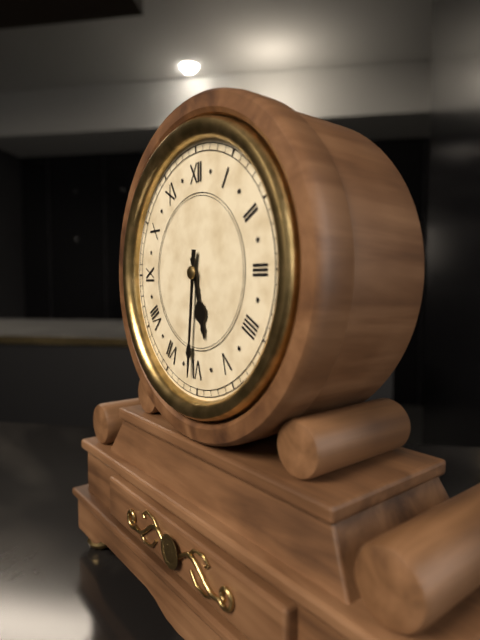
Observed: 5 h 31 min
